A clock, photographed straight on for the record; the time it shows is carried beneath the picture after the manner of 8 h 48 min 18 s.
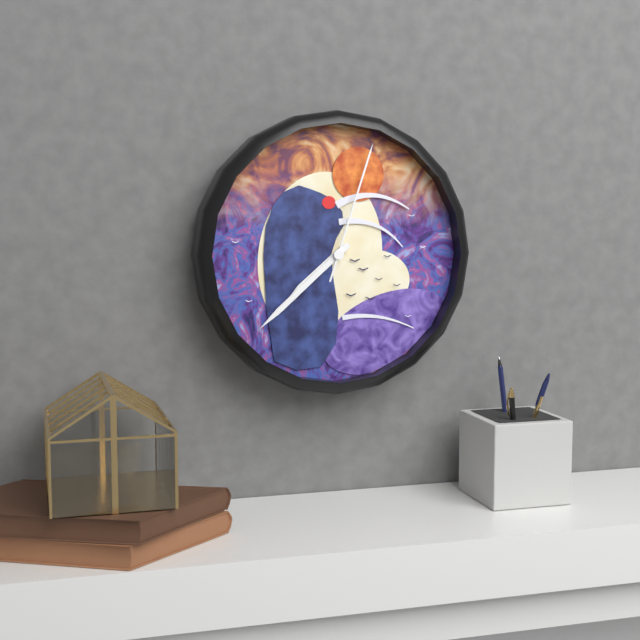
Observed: 7 h 38 min 03 s
